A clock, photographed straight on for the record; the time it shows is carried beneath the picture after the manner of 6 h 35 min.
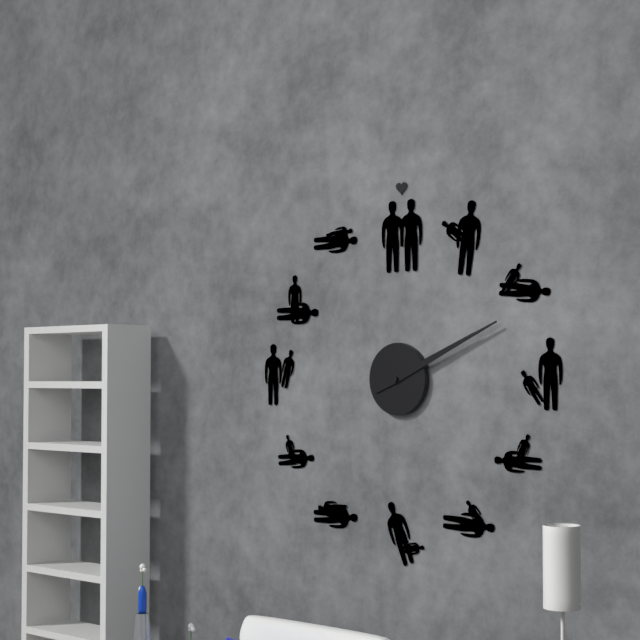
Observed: 2 h 11 min
